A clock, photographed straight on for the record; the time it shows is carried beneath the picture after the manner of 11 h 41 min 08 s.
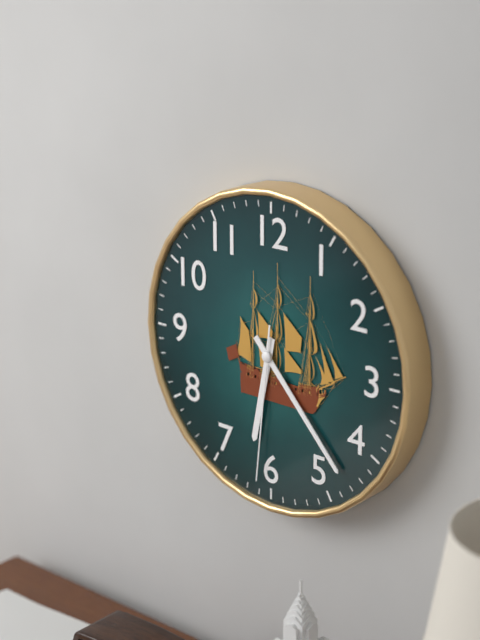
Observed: 6 h 23 min 31 s
